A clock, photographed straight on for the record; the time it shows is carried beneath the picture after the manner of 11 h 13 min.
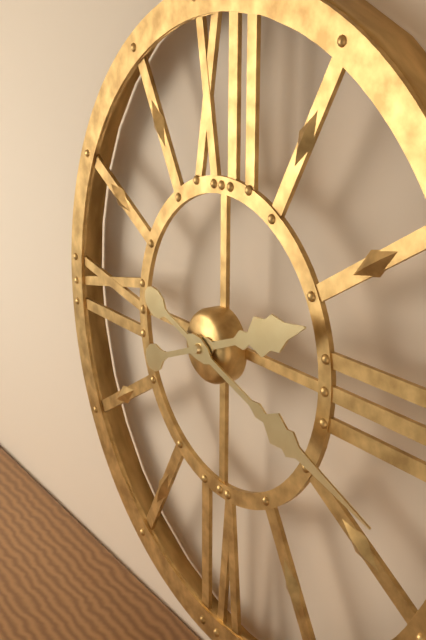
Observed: 2 h 18 min
